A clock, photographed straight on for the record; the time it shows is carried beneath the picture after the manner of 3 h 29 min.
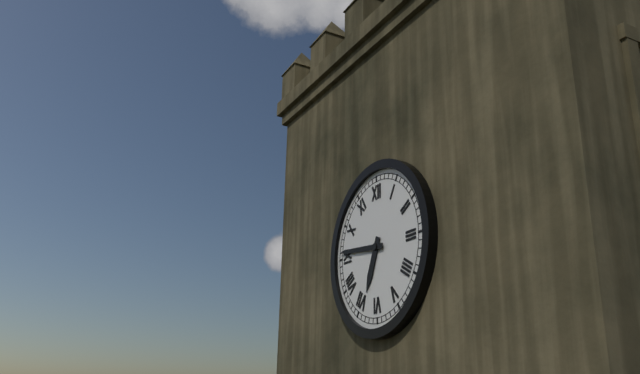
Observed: 6 h 46 min
